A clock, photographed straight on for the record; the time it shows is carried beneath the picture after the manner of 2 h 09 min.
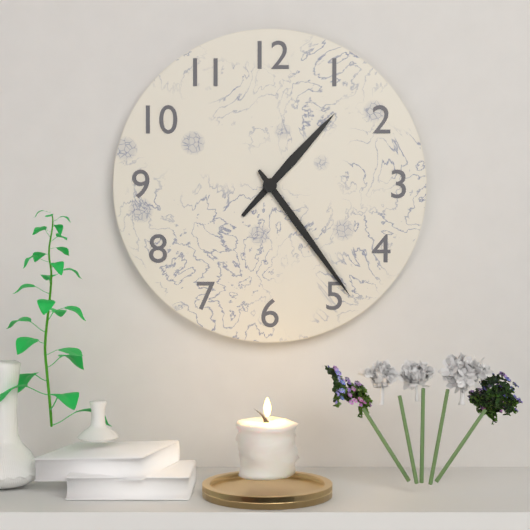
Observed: 1 h 24 min
